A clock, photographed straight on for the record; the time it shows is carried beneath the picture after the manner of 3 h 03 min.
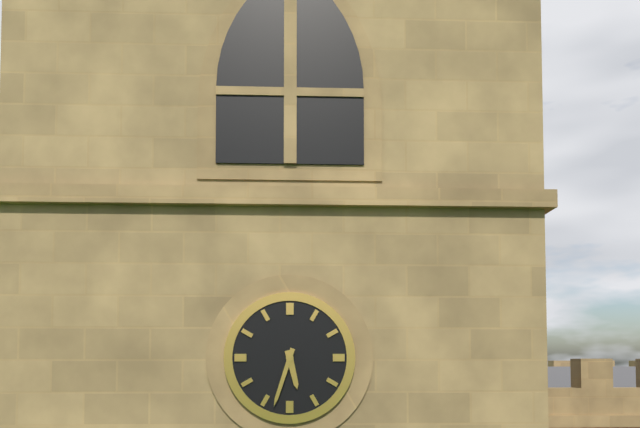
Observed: 5 h 33 min
